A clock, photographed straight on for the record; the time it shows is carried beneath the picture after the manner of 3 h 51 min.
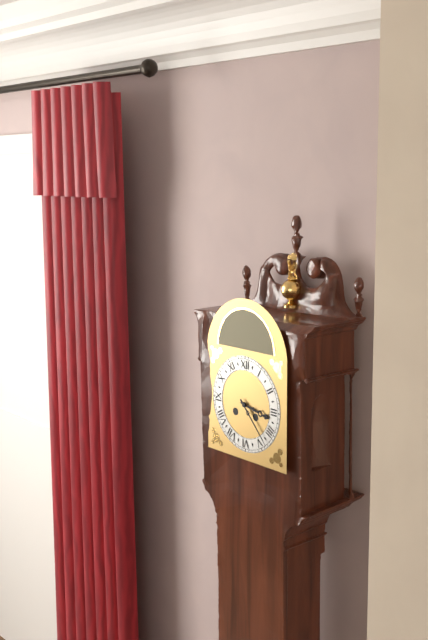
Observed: 3 h 23 min
